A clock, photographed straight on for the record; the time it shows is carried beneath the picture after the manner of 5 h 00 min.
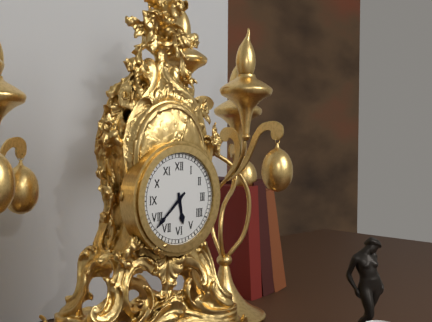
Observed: 5 h 38 min
